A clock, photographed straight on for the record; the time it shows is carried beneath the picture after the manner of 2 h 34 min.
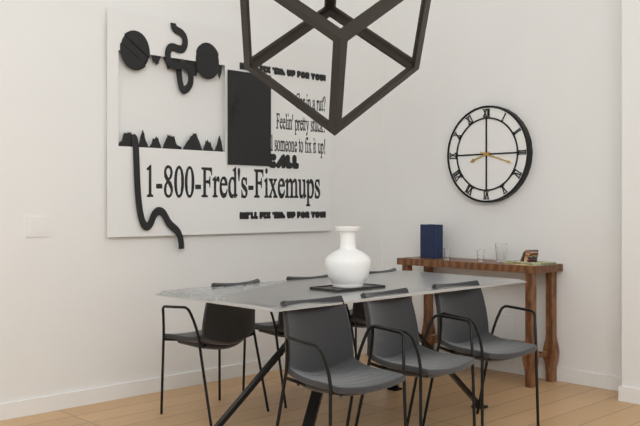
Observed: 8 h 18 min
